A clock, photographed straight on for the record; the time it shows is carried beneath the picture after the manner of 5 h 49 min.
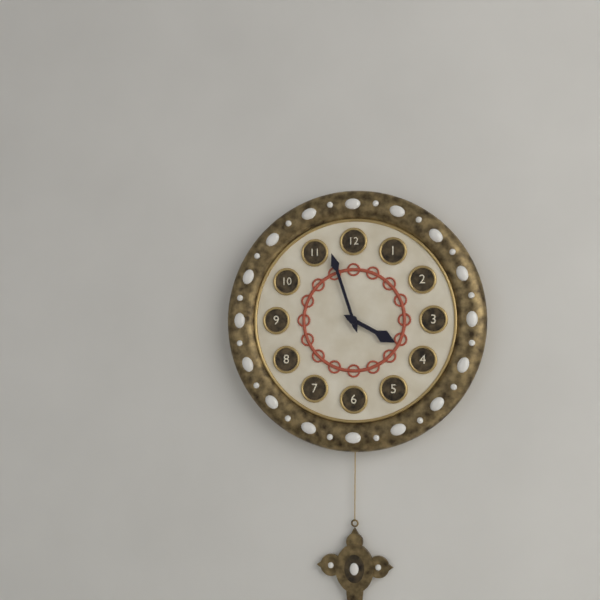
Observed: 3 h 57 min
